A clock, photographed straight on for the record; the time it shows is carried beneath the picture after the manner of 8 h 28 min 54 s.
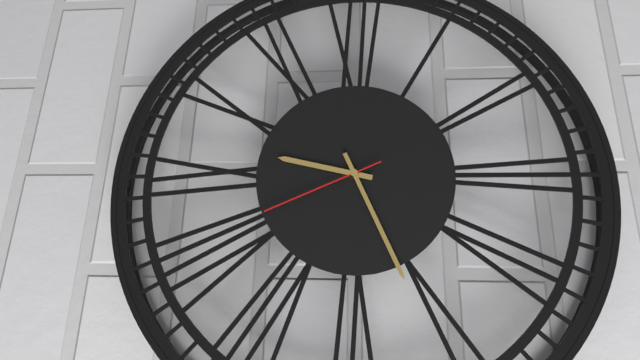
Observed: 9 h 26 min 41 s
